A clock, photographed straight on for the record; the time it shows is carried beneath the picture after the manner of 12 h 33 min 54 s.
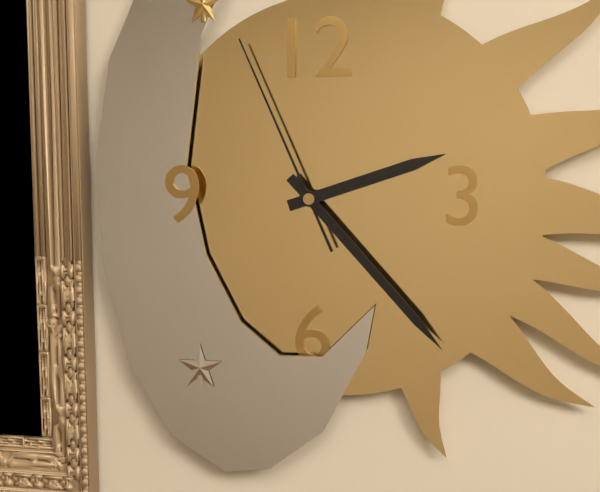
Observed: 2 h 23 min 56 s
